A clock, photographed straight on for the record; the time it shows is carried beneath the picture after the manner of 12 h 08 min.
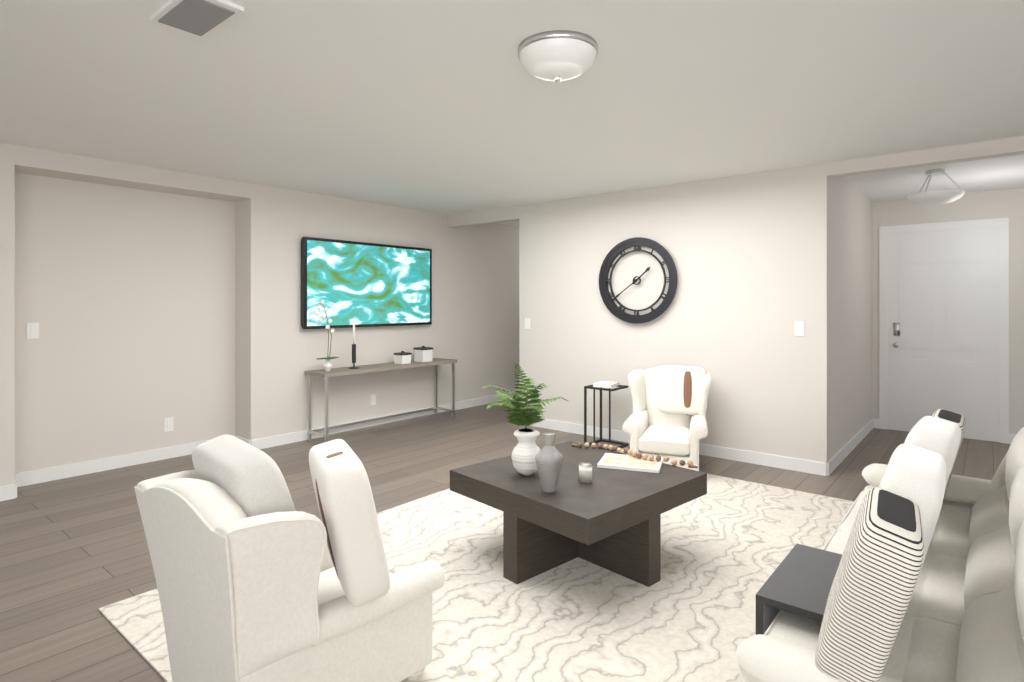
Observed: 1 h 39 min
